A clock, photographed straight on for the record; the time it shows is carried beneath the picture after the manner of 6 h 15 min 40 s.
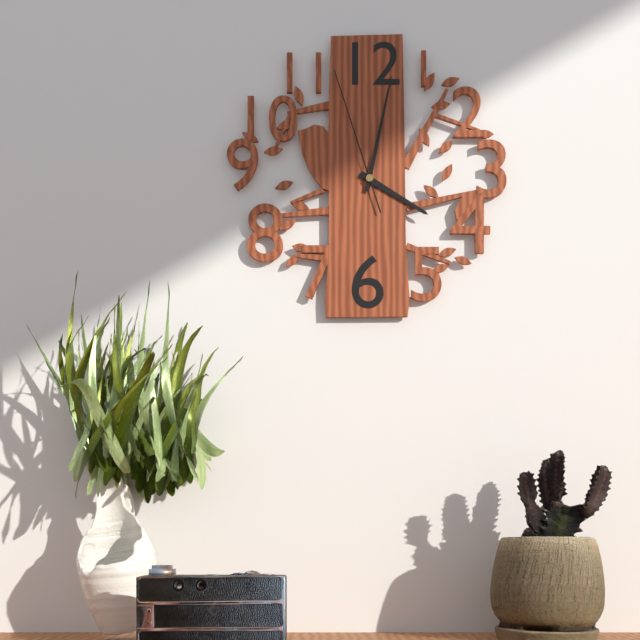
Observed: 4 h 02 min 57 s
